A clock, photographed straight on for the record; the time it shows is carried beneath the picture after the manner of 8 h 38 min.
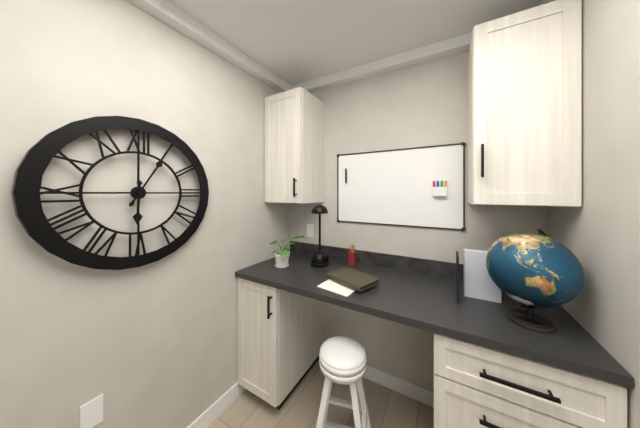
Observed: 6 h 05 min
